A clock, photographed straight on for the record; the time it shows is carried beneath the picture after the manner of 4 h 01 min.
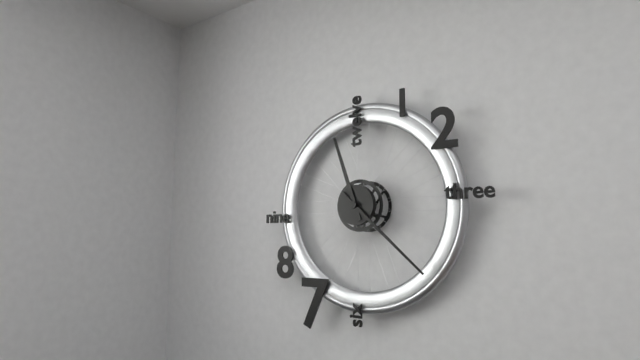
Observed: 11 h 22 min
